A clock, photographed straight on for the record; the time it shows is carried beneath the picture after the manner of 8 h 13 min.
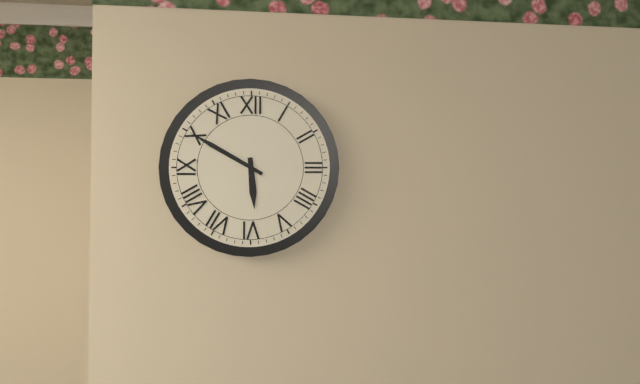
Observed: 5 h 50 min
